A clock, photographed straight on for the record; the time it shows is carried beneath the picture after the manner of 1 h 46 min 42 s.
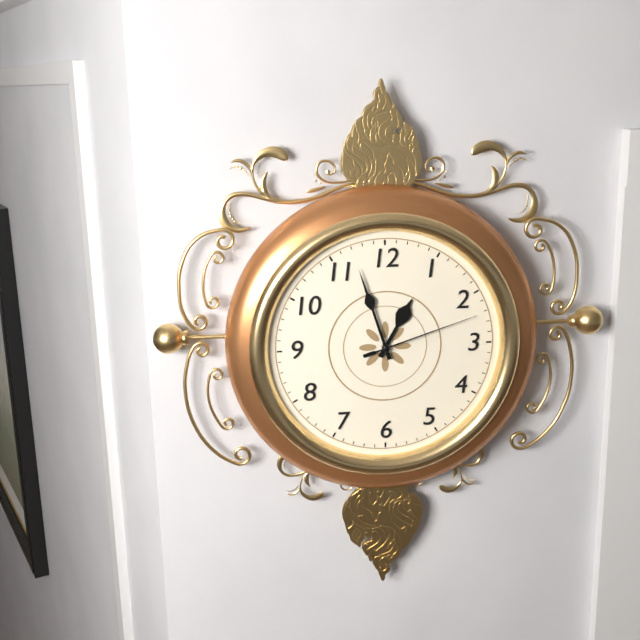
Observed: 12 h 57 min 12 s
